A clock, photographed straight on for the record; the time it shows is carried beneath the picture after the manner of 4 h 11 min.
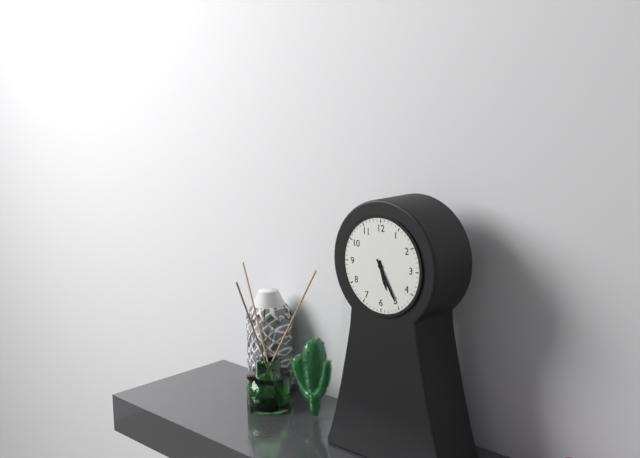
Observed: 5 h 25 min
